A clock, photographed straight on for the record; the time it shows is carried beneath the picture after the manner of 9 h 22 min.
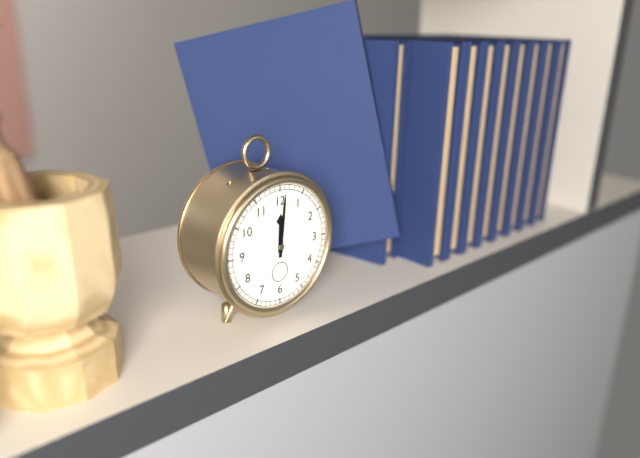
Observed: 12 h 01 min
